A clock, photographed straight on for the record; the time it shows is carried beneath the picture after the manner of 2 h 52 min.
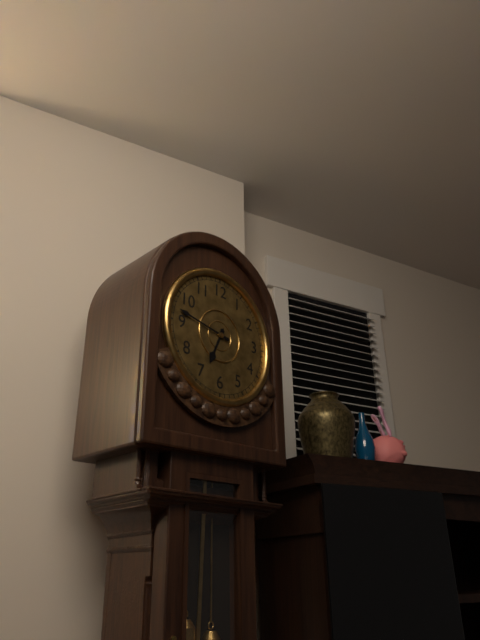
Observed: 6 h 47 min
